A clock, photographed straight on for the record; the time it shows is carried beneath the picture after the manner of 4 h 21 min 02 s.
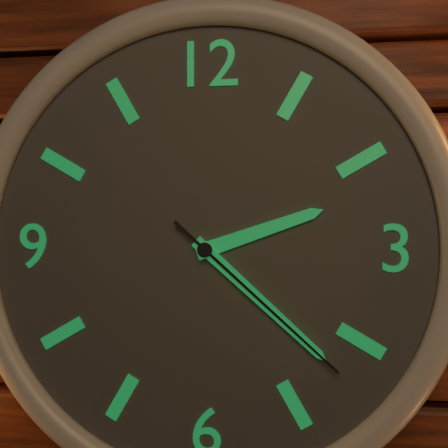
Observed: 2 h 22 min 22 s
